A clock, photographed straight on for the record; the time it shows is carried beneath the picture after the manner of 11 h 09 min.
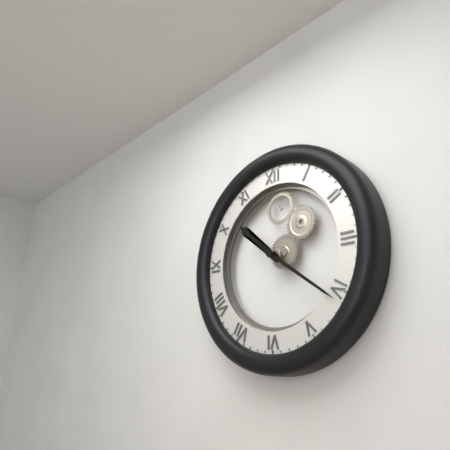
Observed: 10 h 21 min
